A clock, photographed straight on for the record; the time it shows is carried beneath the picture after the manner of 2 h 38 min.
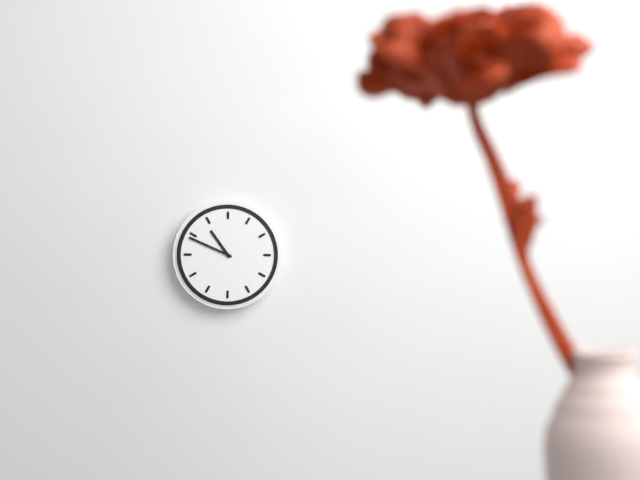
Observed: 10 h 49 min
